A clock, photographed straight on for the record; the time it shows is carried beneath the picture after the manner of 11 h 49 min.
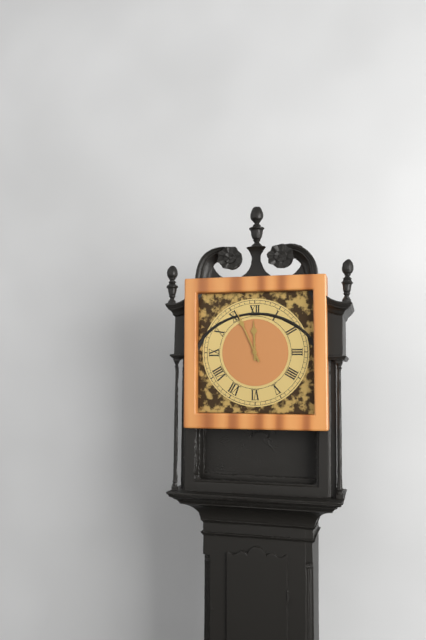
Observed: 11 h 56 min
